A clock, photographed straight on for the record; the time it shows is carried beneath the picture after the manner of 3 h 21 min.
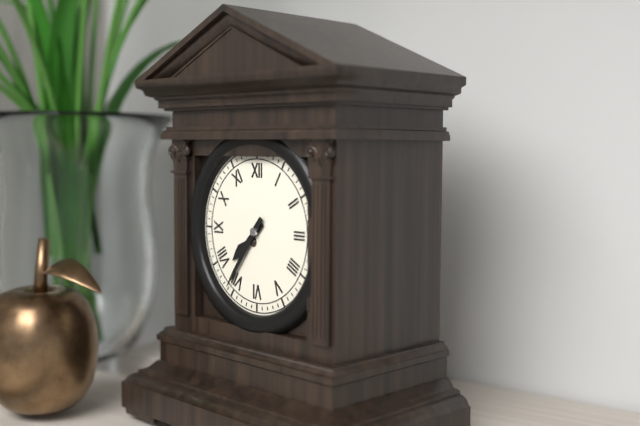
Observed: 7 h 36 min
